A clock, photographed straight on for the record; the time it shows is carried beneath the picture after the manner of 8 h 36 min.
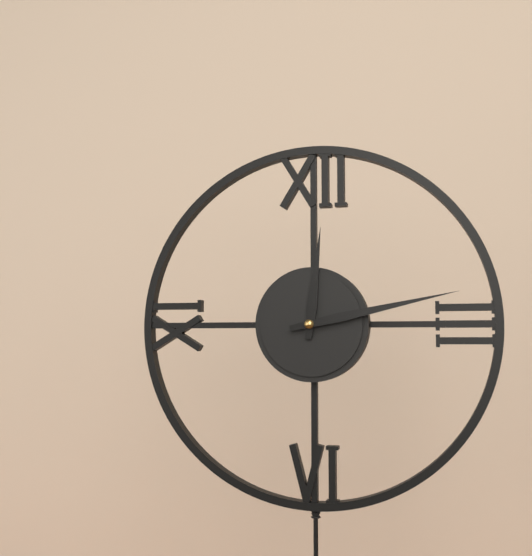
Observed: 12 h 13 min
